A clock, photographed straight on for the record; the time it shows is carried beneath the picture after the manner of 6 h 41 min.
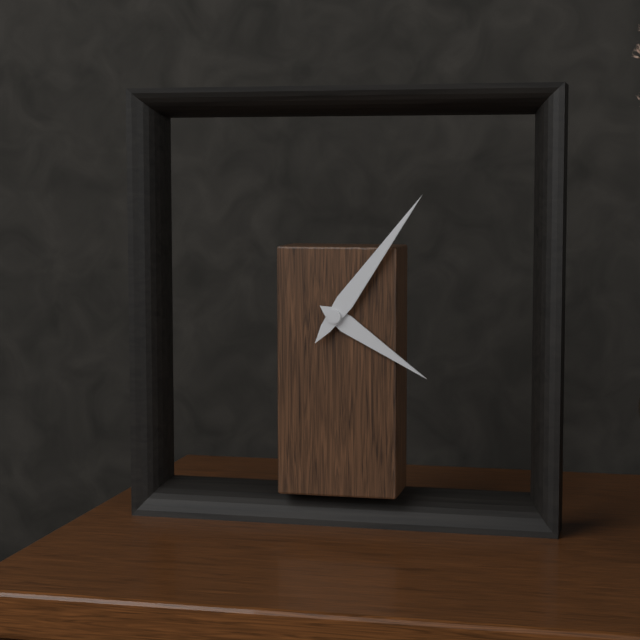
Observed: 4 h 06 min
